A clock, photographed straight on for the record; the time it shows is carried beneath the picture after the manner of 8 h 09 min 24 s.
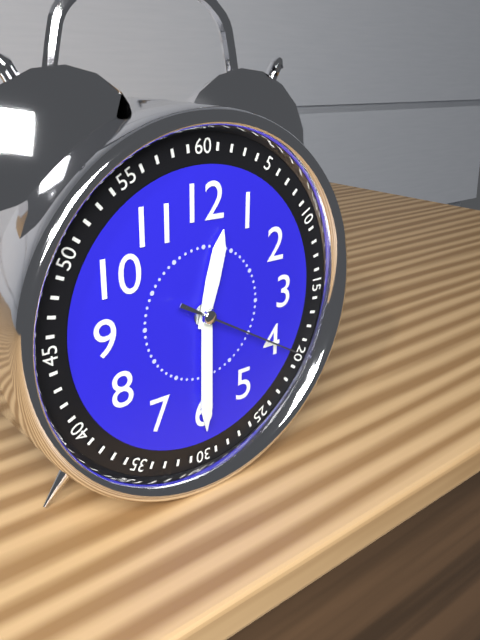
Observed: 12 h 30 min 20 s
